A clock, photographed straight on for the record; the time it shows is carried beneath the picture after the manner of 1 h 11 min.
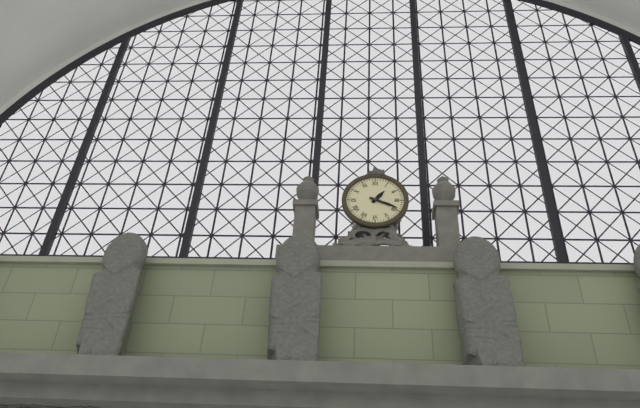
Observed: 1 h 19 min
